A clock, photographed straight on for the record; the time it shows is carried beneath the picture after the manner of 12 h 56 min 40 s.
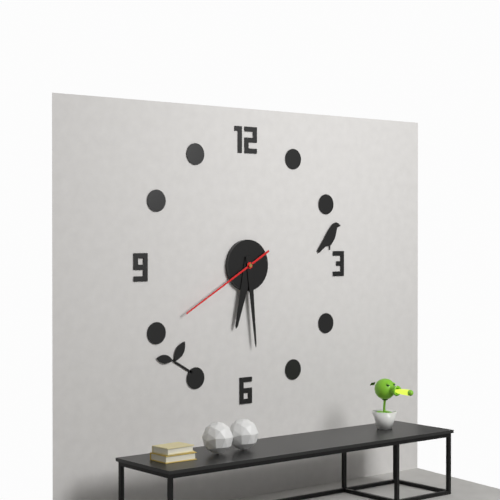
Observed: 6 h 29 min 40 s
